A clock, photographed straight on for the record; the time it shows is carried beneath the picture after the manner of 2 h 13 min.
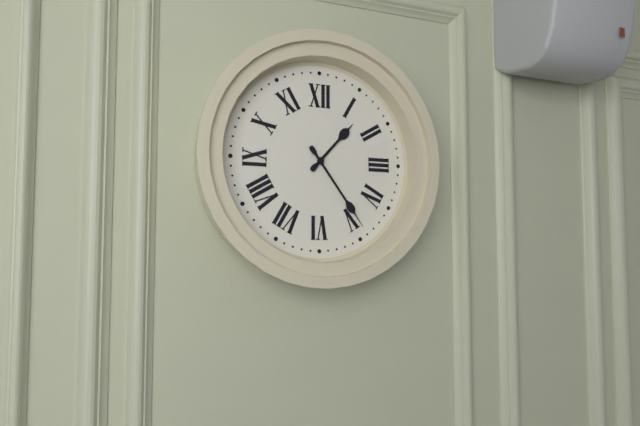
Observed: 1 h 24 min
